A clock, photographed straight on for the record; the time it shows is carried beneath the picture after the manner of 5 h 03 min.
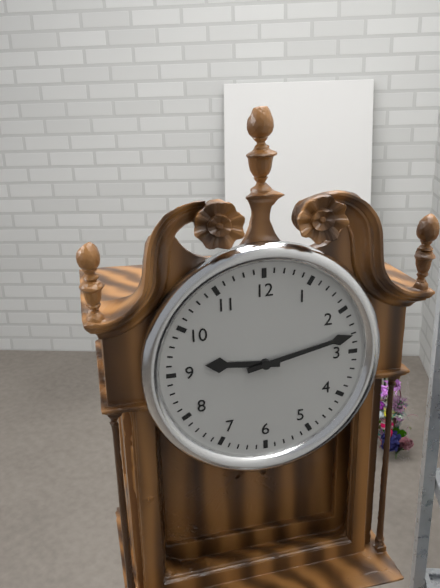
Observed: 9 h 13 min
